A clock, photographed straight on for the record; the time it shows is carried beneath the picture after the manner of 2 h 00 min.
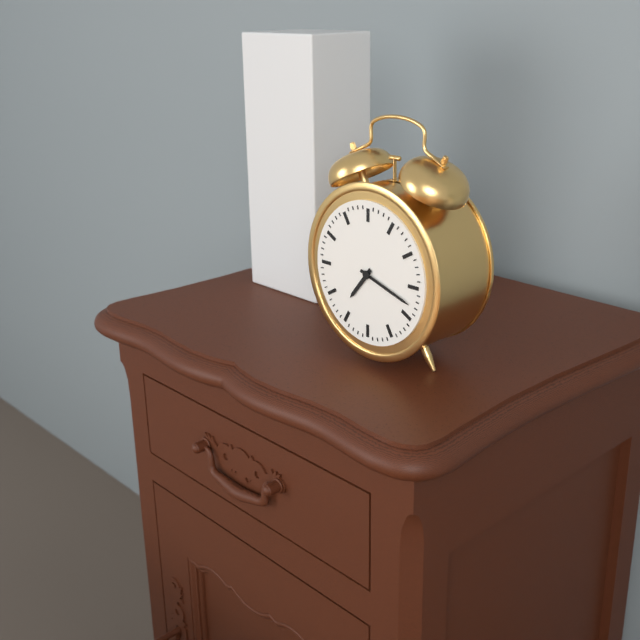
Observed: 7 h 18 min
